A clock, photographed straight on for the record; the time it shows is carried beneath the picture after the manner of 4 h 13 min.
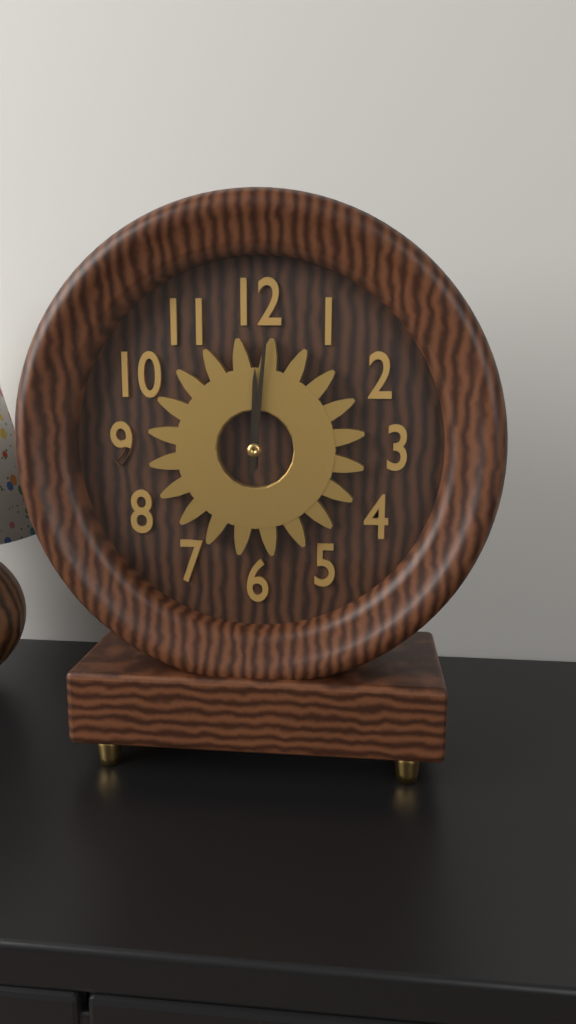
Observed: 12 h 01 min
